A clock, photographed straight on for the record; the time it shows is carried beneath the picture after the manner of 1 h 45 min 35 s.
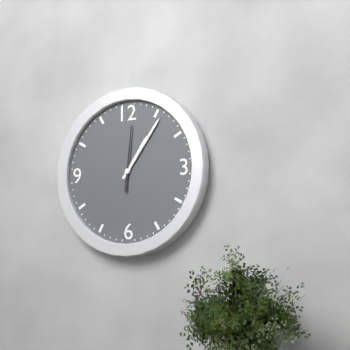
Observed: 1 h 06 min 01 s
